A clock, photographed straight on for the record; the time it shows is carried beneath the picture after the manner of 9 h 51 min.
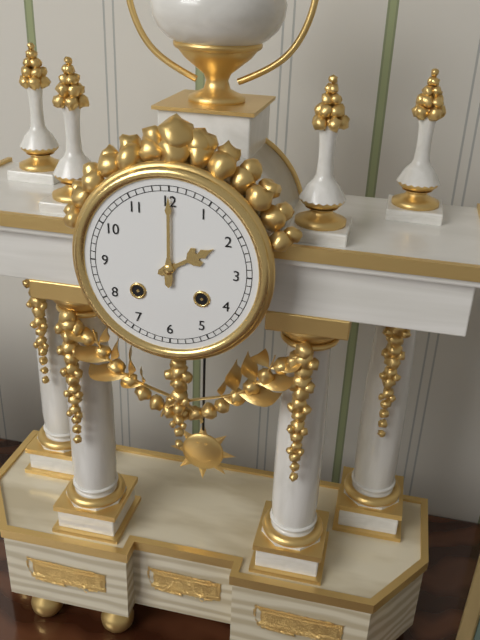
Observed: 2 h 00 min
